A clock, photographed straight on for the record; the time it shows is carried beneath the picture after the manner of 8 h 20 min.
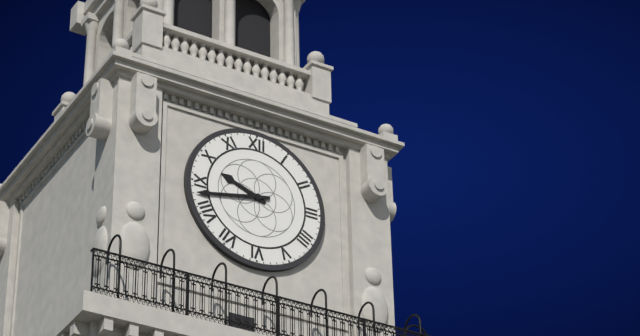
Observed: 9 h 43 min
